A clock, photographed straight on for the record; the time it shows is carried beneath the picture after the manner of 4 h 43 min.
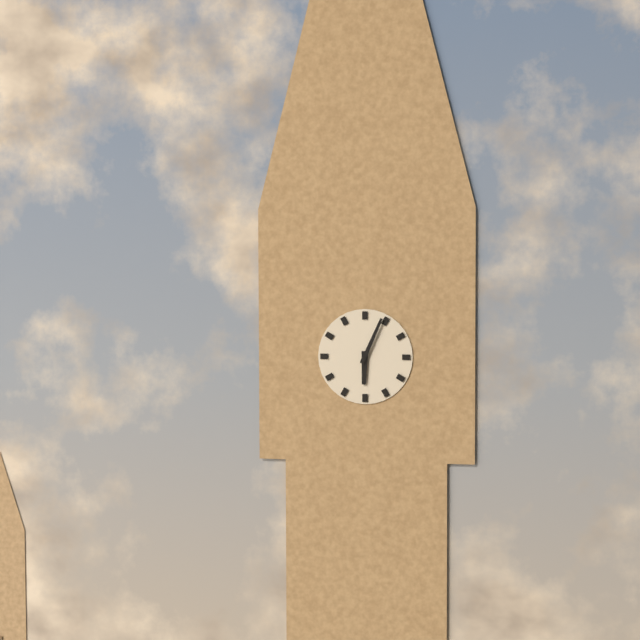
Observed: 6 h 04 min
